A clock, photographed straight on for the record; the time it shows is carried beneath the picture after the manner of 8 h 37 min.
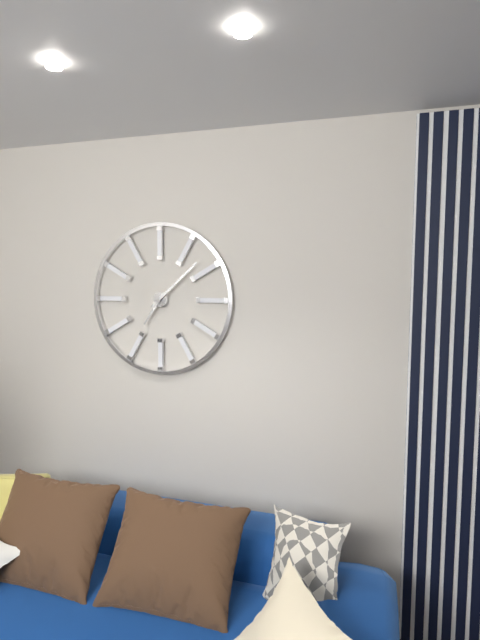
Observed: 7 h 08 min
